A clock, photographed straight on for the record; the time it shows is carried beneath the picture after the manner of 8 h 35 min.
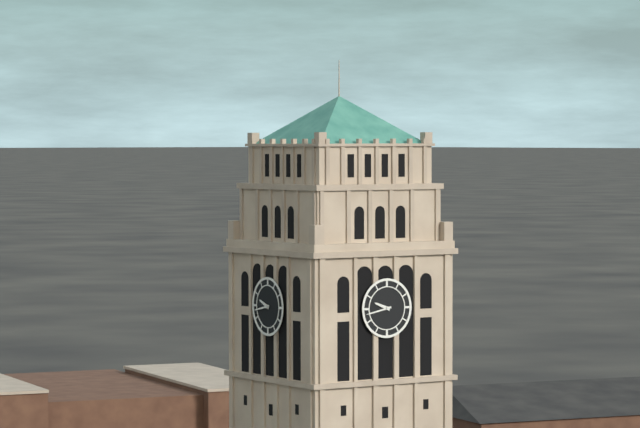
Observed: 9 h 43 min
